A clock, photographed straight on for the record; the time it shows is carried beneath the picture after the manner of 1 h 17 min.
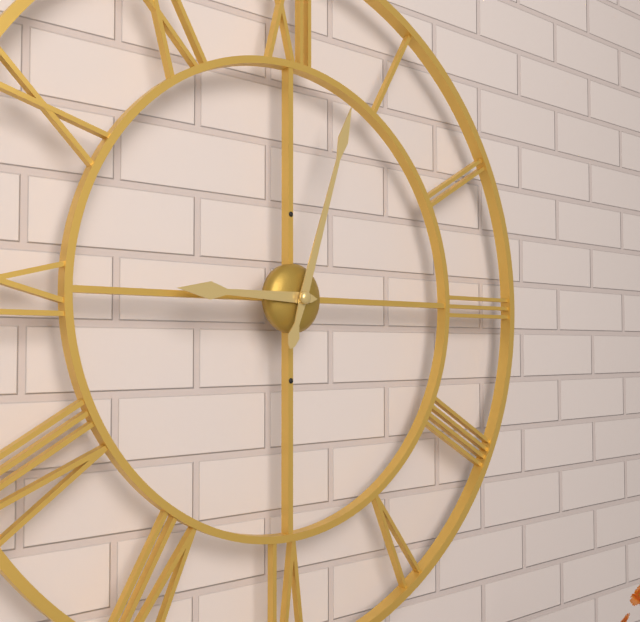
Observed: 9 h 03 min
